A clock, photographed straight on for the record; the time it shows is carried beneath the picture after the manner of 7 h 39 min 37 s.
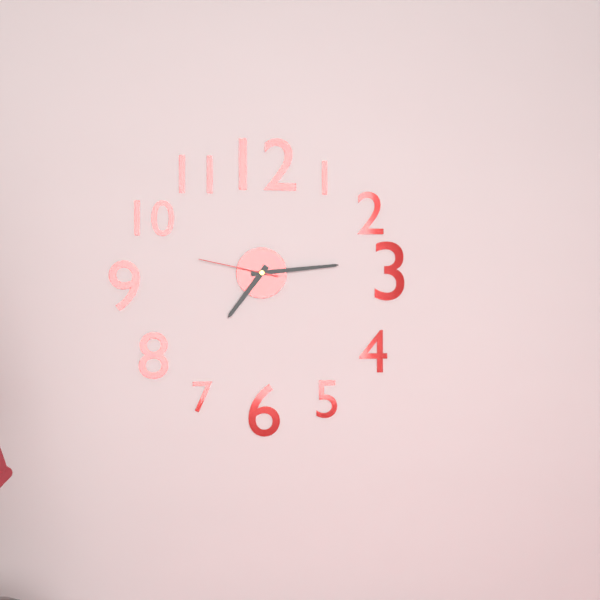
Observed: 7 h 14 min 47 s
